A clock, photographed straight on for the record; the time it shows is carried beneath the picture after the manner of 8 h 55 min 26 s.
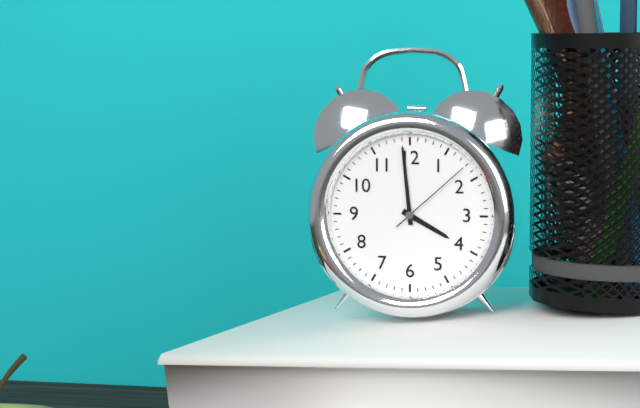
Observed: 3 h 59 min 08 s
